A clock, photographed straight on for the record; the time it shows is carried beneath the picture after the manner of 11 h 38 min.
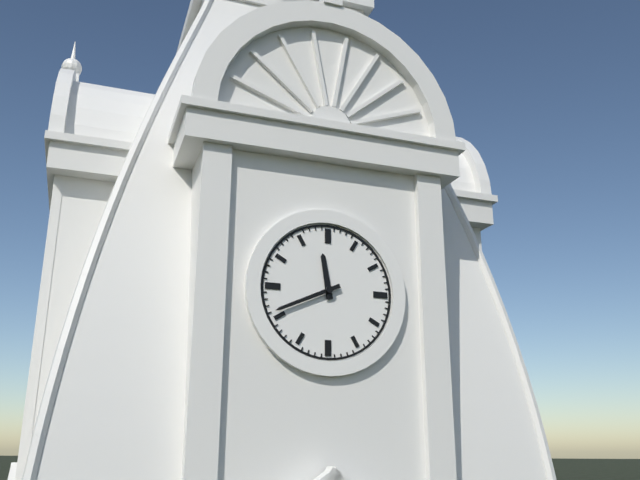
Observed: 11 h 41 min
